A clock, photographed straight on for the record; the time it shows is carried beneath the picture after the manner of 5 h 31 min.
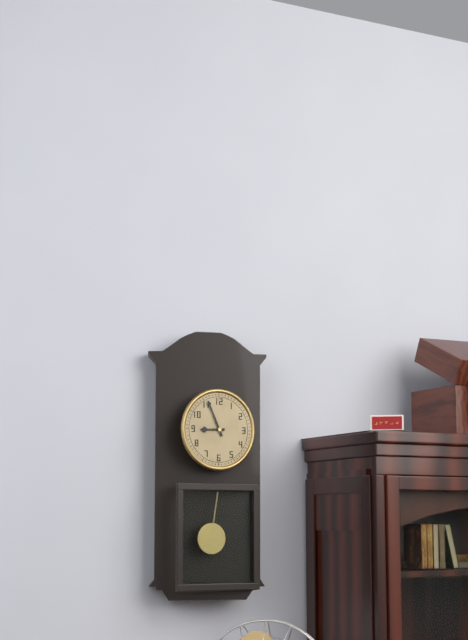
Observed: 8 h 56 min
